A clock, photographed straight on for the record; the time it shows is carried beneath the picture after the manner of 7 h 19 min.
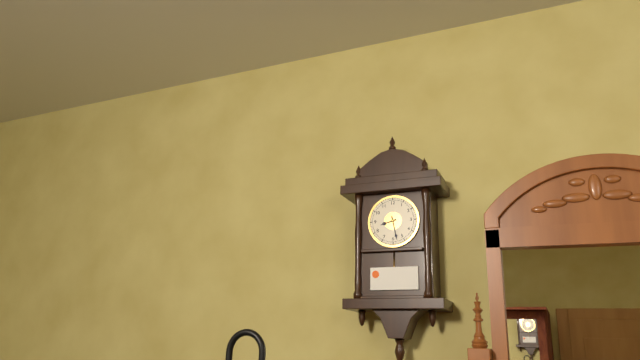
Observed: 8 h 28 min
